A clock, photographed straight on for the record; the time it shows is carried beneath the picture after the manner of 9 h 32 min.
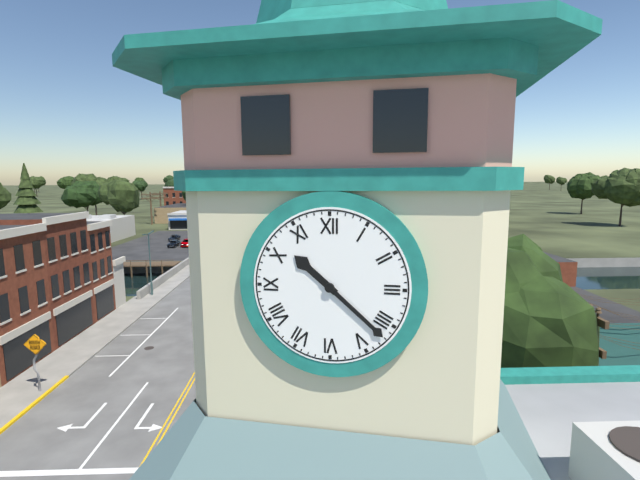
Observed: 10 h 22 min
